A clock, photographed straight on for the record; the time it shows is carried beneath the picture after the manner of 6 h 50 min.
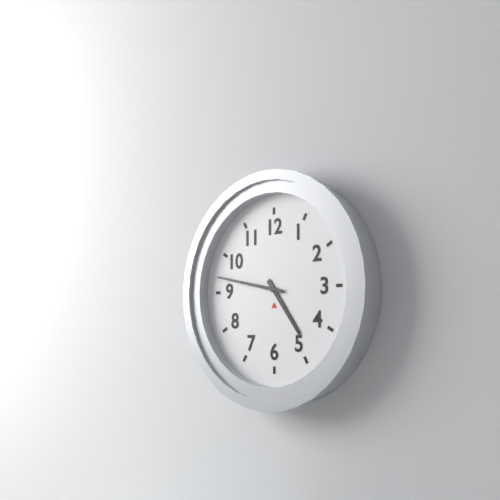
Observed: 4 h 47 min
